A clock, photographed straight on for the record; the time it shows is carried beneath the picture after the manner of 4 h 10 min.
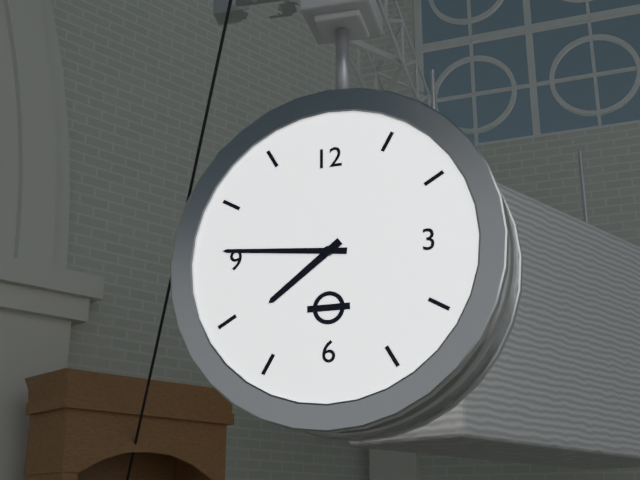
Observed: 7 h 46 min
